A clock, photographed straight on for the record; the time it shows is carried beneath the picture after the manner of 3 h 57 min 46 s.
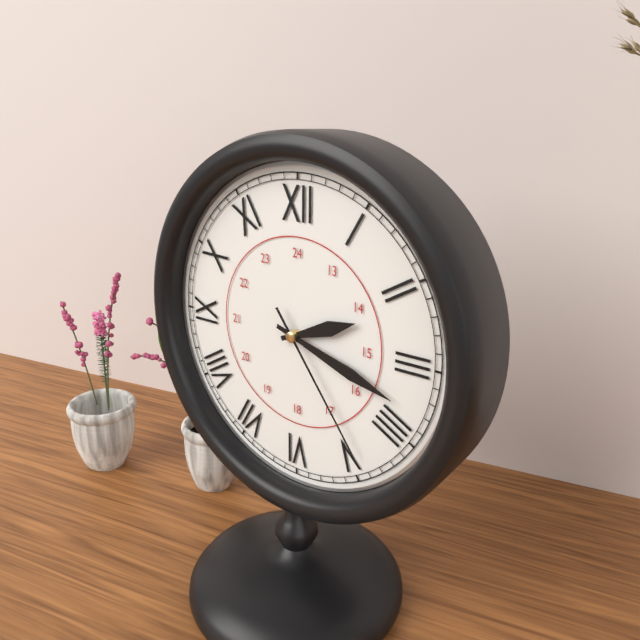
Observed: 2 h 18 min 24 s
